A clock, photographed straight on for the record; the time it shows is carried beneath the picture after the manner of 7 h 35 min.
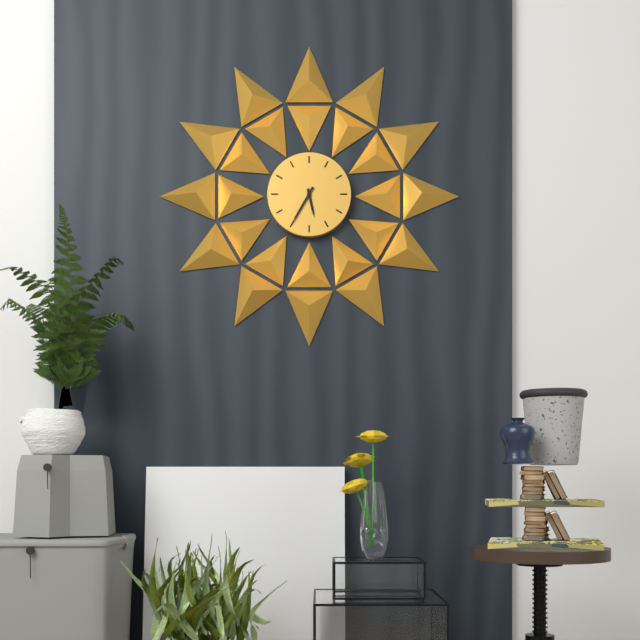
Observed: 5 h 35 min
